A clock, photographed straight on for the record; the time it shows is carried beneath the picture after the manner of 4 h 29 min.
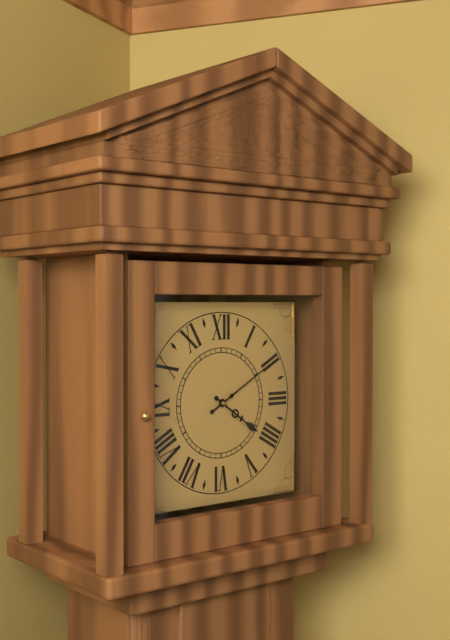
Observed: 4 h 10 min
